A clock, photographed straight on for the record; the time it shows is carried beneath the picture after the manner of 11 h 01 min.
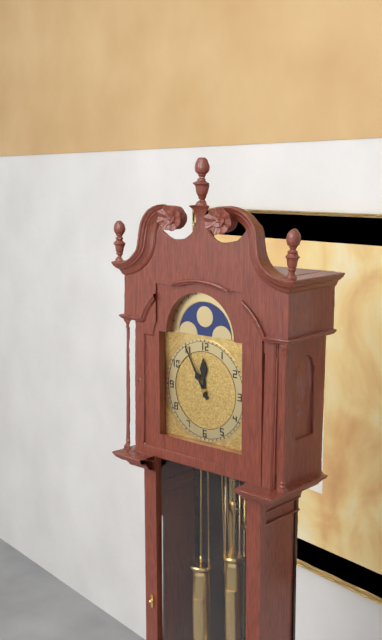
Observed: 11 h 55 min
